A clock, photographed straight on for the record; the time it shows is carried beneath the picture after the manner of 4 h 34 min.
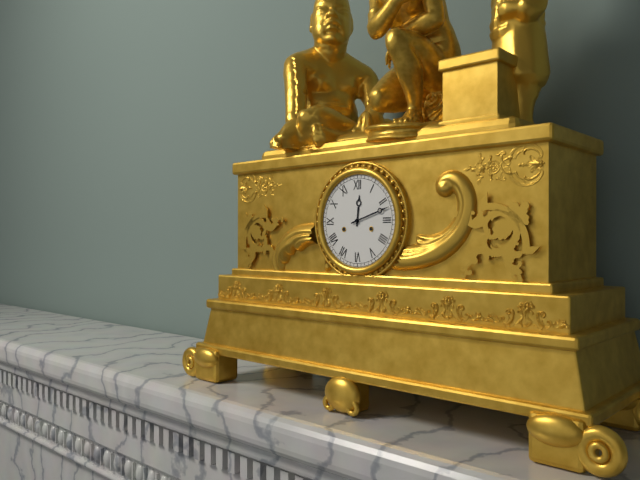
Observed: 12 h 12 min
